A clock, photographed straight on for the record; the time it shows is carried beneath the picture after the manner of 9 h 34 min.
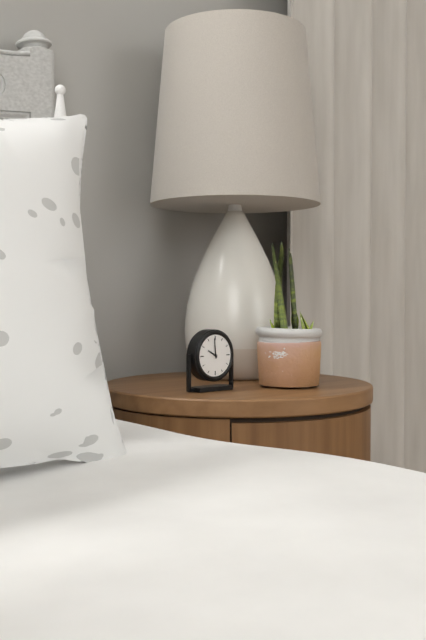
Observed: 9 h 59 min
